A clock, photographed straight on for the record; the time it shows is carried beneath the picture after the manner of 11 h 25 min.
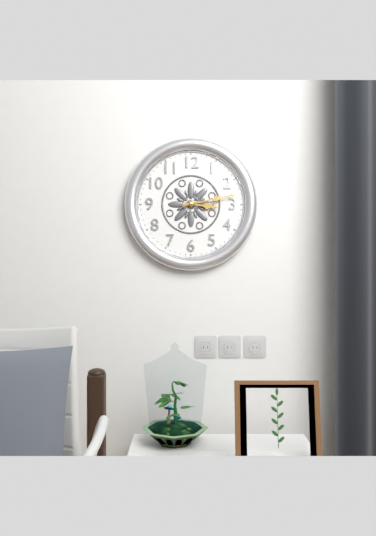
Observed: 3 h 13 min
